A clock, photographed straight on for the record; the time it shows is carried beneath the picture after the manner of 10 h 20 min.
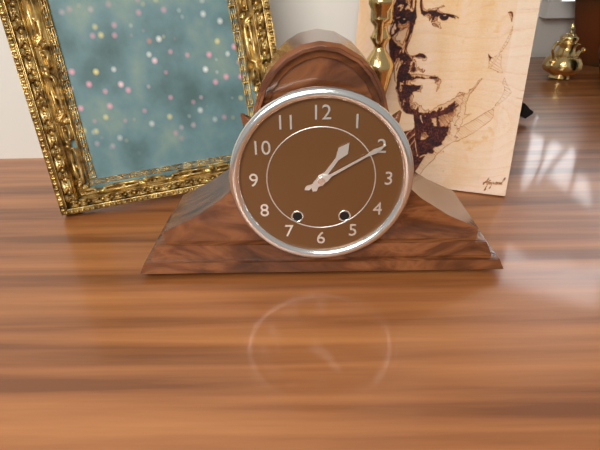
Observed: 1 h 10 min
